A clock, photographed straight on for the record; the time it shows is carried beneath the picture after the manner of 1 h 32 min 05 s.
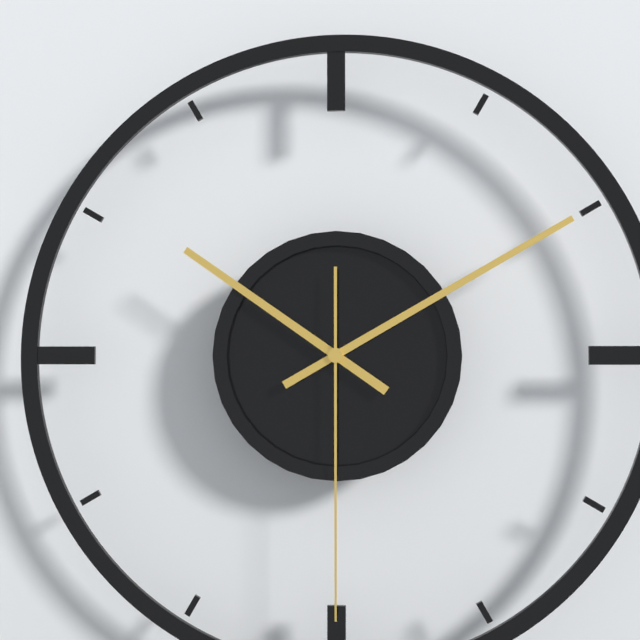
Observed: 10 h 10 min 30 s
